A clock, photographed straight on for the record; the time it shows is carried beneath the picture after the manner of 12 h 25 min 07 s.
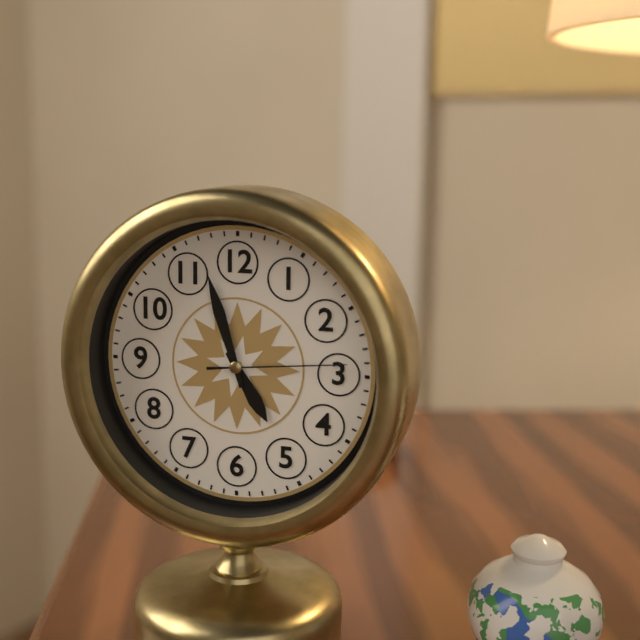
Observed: 4 h 57 min 14 s
